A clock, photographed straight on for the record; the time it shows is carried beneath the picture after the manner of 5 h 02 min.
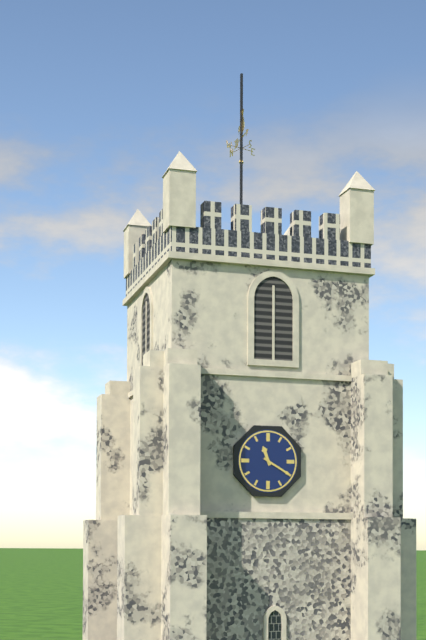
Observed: 11 h 20 min
